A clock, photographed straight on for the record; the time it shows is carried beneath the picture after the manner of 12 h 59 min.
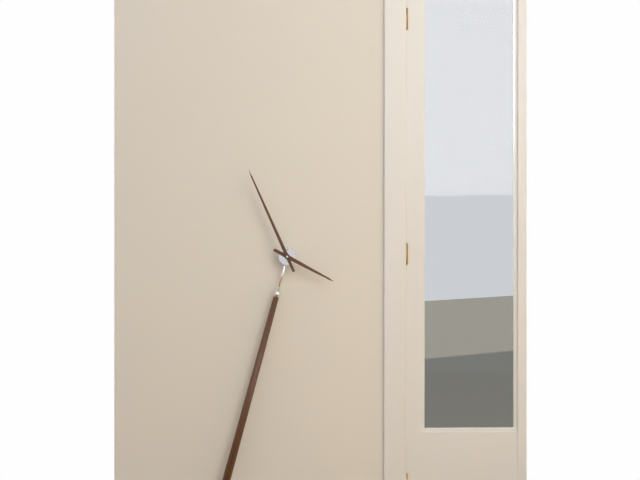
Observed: 3 h 56 min
